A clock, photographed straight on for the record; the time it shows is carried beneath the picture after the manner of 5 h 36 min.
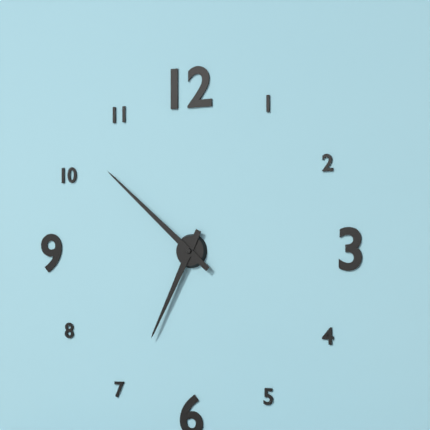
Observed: 6 h 52 min
